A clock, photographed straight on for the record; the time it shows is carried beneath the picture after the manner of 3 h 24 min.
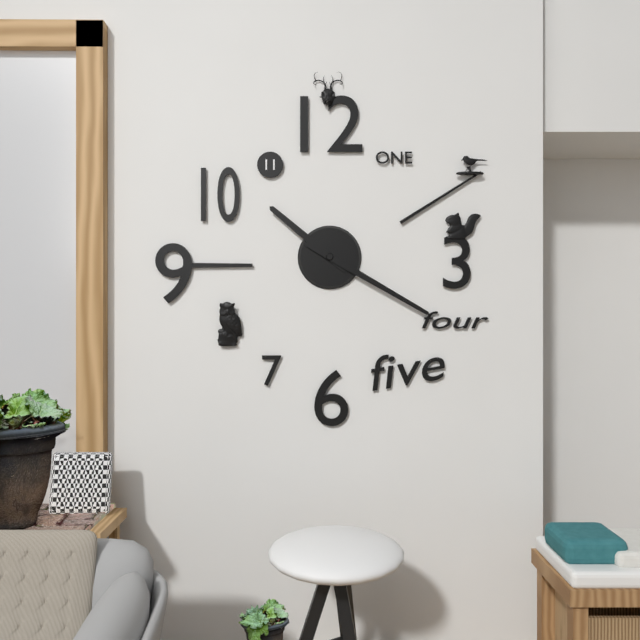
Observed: 10 h 20 min
